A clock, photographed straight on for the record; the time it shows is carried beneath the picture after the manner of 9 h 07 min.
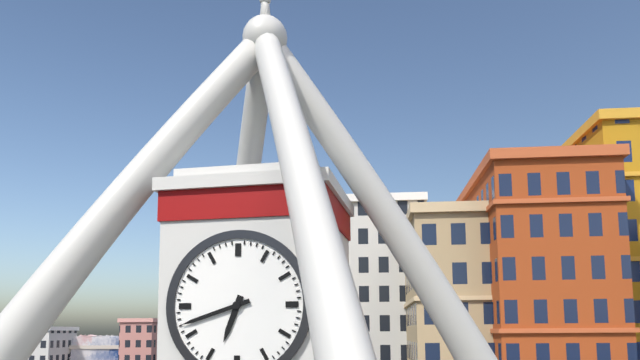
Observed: 6 h 42 min
